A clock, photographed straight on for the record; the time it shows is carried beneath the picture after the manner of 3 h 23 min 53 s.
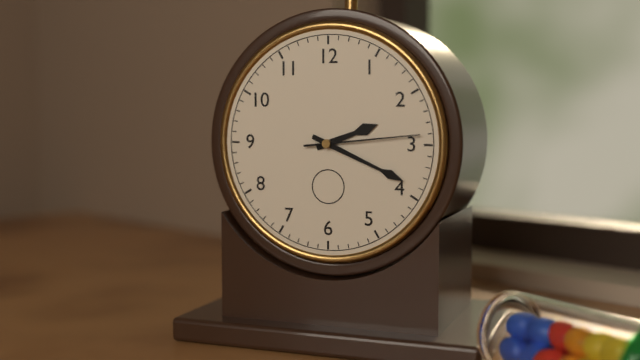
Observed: 2 h 19 min 14 s
